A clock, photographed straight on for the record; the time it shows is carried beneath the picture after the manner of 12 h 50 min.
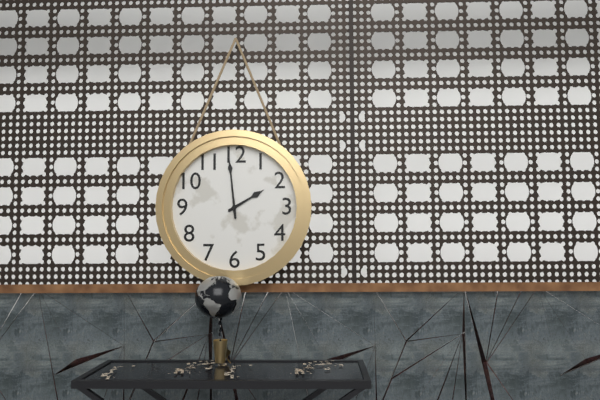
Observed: 1 h 59 min
